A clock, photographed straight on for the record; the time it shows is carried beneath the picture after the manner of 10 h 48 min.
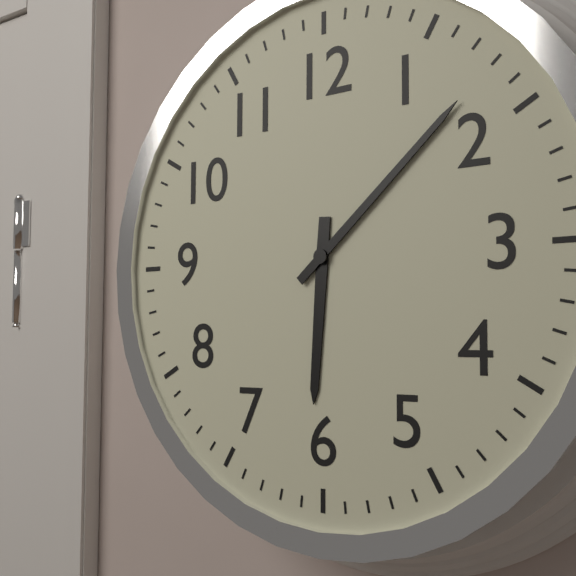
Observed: 6 h 08 min
